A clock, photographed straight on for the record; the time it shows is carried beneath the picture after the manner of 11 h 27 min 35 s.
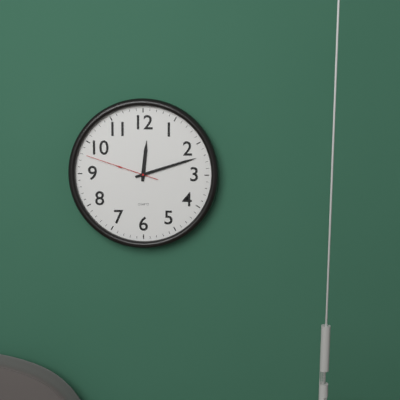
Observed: 12 h 12 min 48 s
